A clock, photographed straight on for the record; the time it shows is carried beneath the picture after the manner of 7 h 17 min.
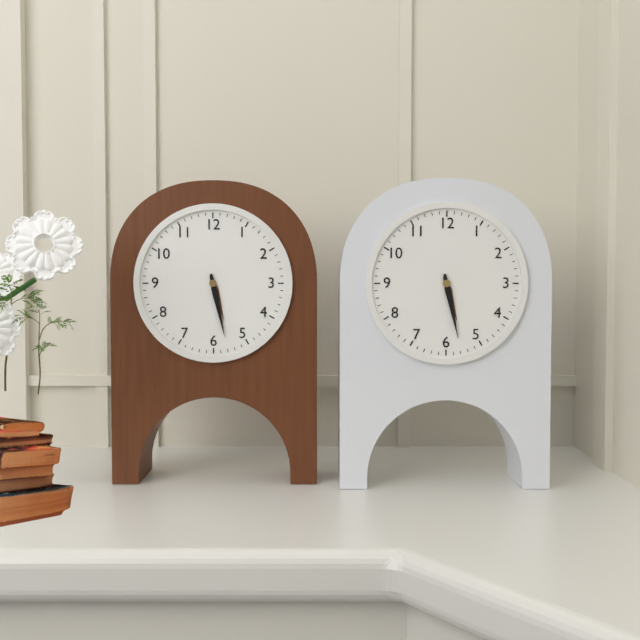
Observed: 5 h 28 min
